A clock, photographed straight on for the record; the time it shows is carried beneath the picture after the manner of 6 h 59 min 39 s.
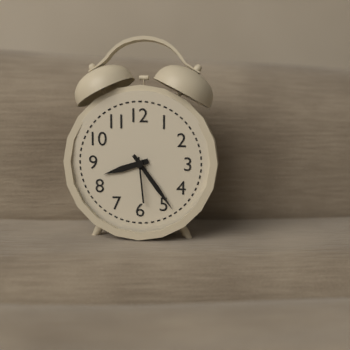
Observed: 8 h 24 min 29 s
